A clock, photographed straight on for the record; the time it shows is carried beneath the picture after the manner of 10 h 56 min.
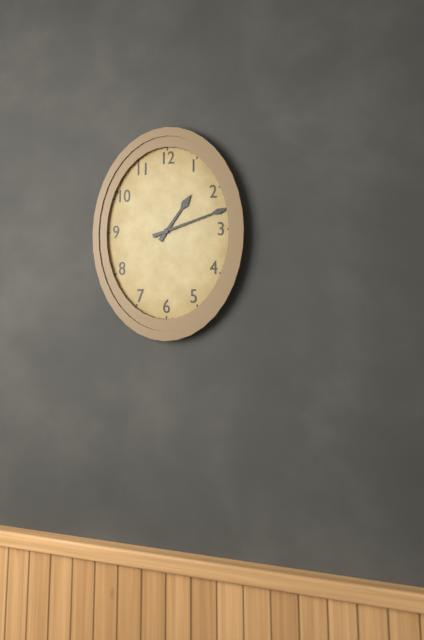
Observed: 1 h 12 min
